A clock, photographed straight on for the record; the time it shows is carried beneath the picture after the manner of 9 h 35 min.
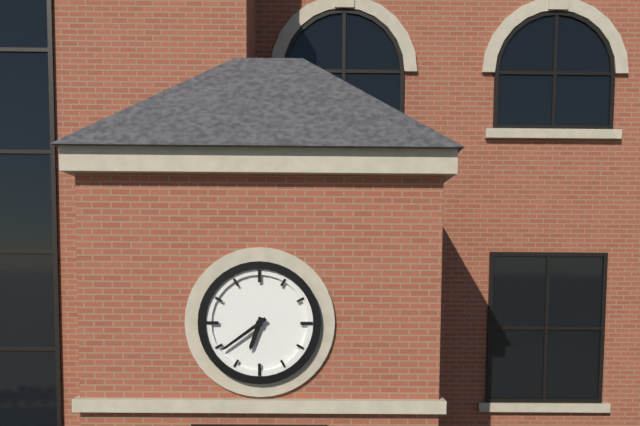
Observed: 6 h 39 min
